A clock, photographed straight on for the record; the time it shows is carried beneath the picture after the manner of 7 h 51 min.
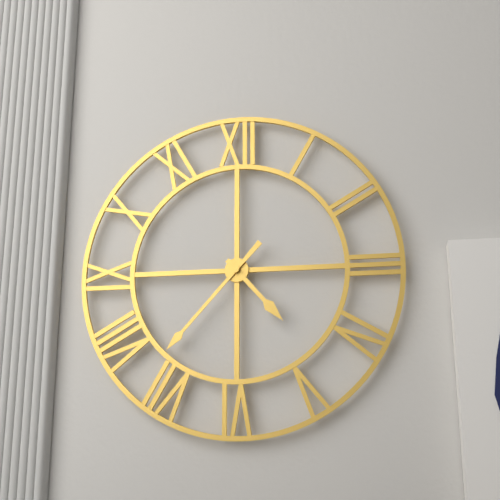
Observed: 4 h 37 min
